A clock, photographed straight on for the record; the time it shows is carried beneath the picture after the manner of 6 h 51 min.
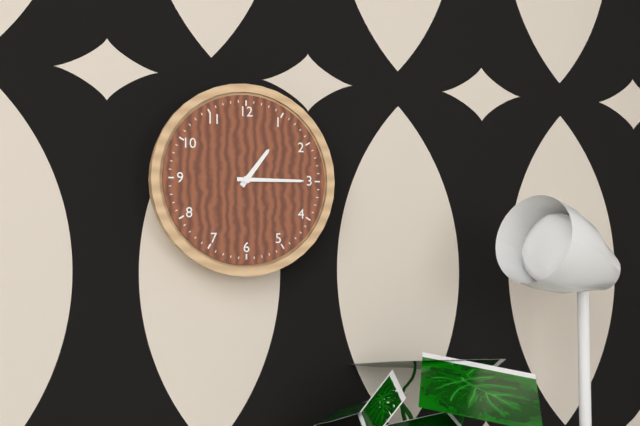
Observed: 1 h 15 min
